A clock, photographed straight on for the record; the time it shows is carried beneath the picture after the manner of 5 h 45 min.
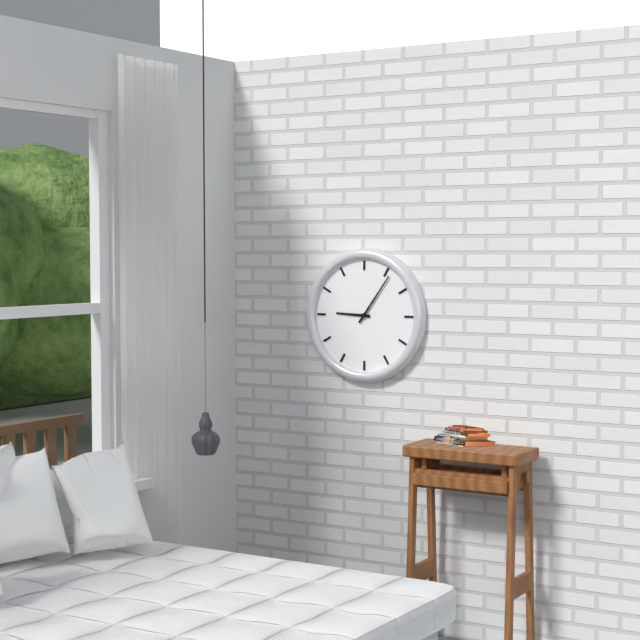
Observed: 9 h 06 min
